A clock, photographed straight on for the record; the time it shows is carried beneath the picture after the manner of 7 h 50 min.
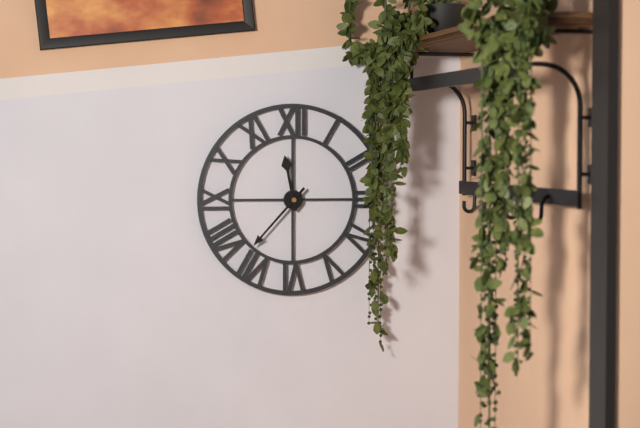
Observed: 11 h 37 min
